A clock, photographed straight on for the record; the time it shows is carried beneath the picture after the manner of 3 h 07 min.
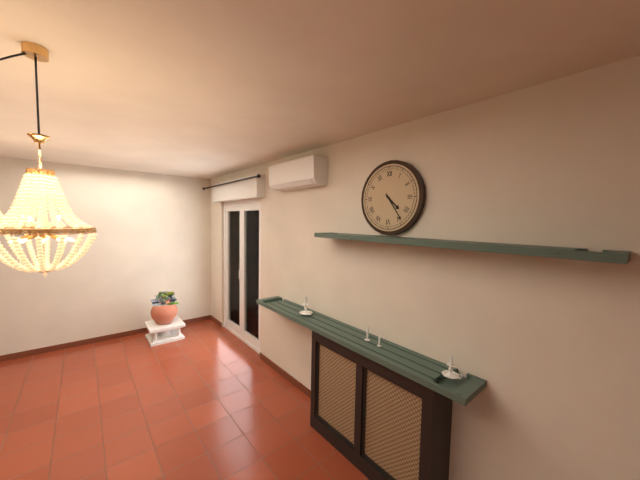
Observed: 4 h 24 min
